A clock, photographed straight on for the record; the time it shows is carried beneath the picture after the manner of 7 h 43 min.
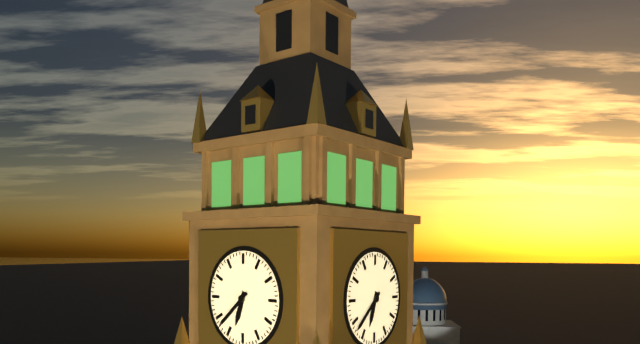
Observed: 6 h 38 min
